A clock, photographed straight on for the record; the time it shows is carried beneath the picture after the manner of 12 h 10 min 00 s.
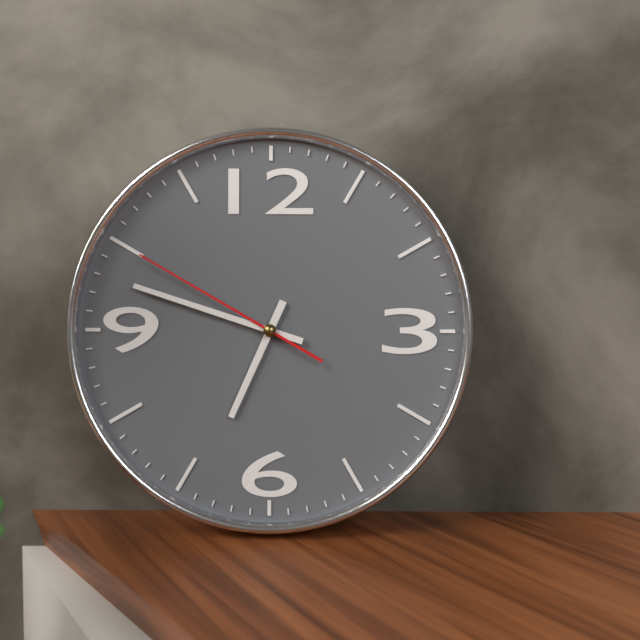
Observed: 6 h 48 min 50 s
